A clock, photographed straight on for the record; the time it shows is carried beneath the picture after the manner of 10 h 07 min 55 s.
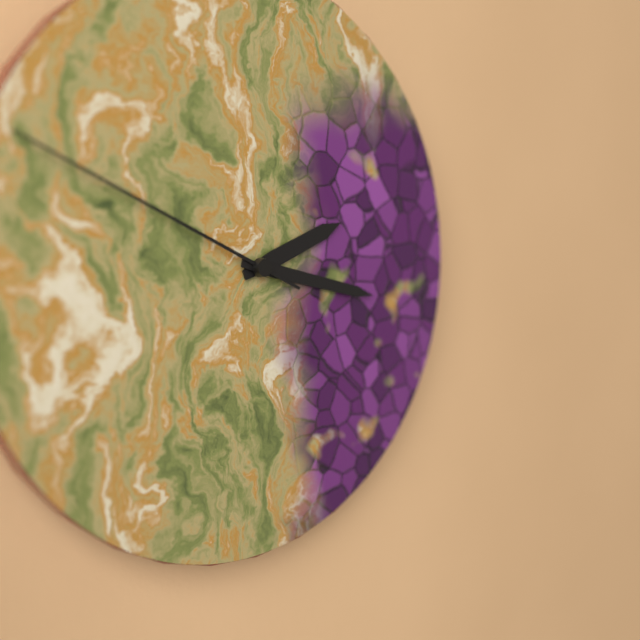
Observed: 2 h 17 min 49 s
